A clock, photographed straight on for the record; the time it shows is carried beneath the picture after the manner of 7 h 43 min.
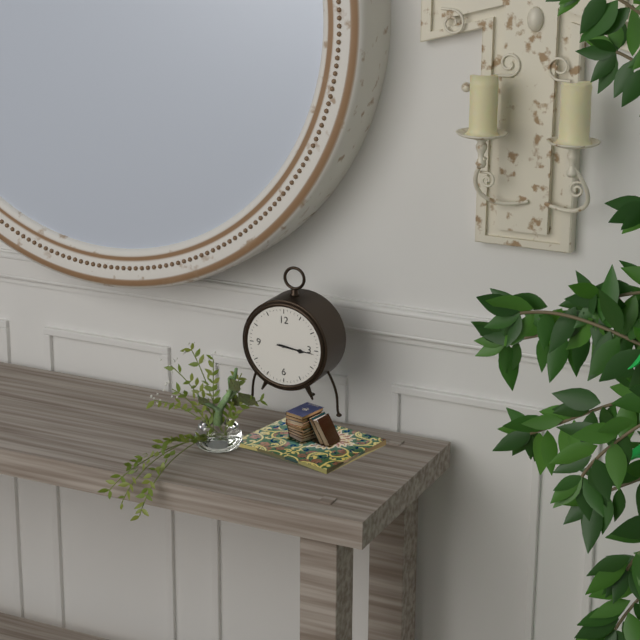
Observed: 3 h 16 min
